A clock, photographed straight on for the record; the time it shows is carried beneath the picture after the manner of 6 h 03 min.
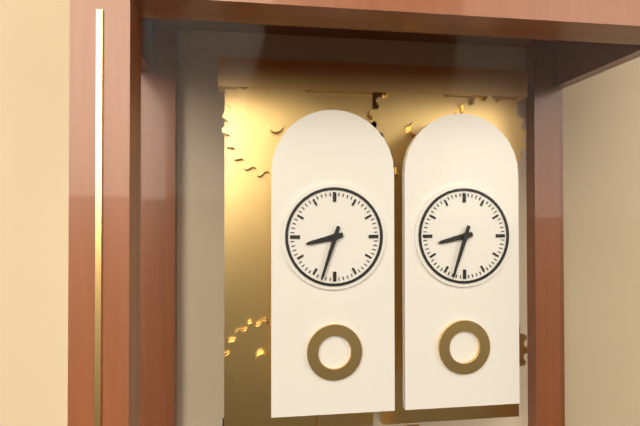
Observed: 8 h 33 min
